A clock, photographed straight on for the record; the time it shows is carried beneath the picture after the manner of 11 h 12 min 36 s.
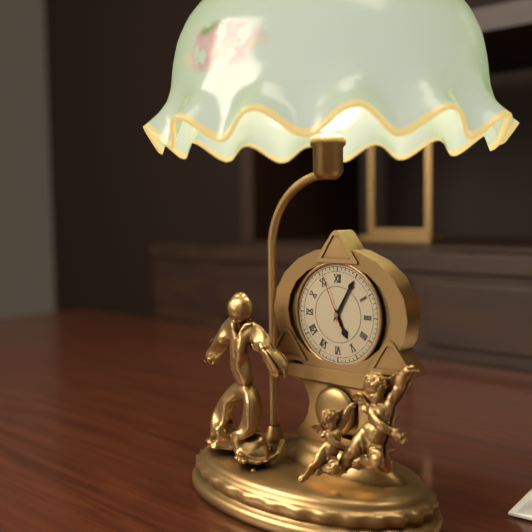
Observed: 5 h 05 min 56 s
